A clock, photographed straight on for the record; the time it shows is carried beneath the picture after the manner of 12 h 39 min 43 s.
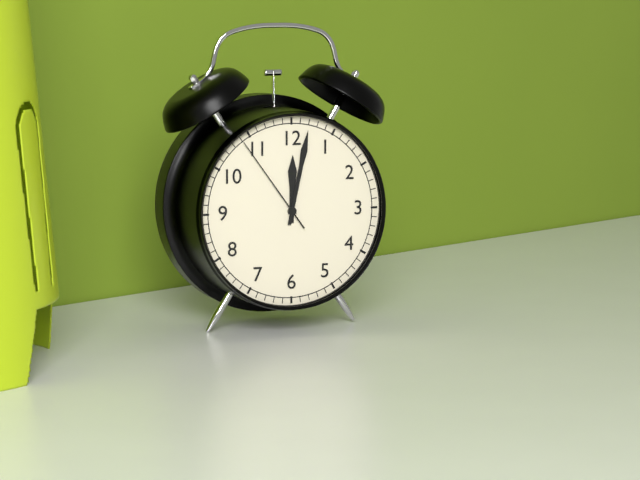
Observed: 12 h 02 min 54 s
